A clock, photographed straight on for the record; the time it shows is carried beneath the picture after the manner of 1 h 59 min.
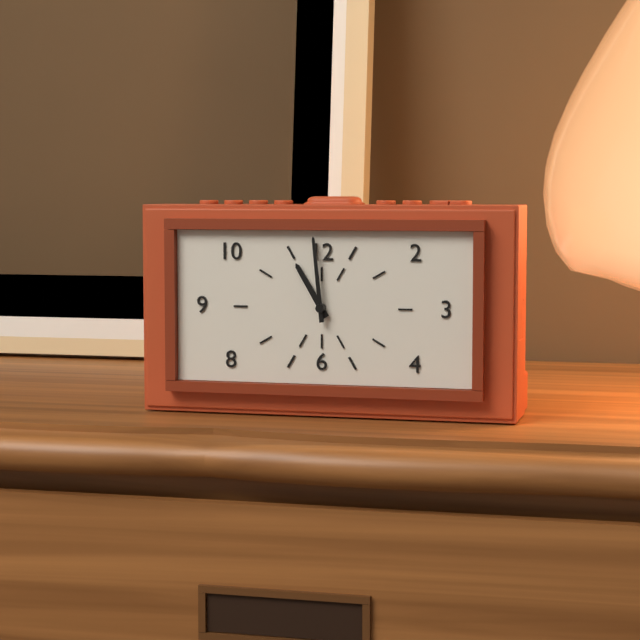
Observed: 10 h 59 min
